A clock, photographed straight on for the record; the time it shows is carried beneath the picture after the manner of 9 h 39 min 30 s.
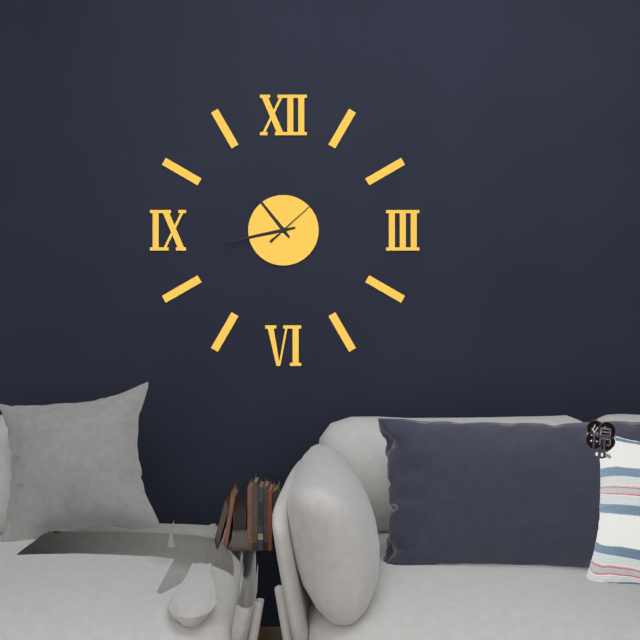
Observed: 10 h 43 min 08 s
